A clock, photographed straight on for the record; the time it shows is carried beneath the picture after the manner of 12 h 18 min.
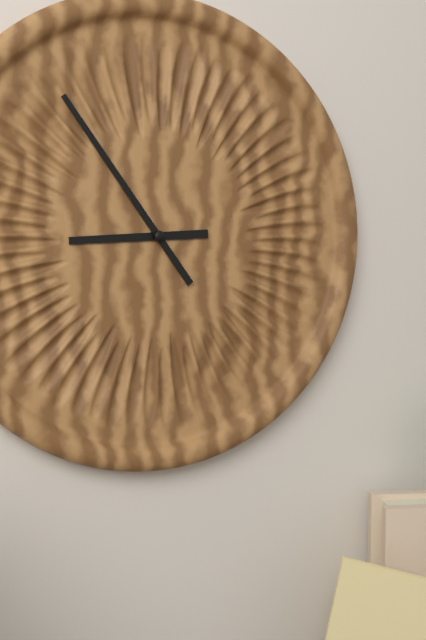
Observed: 8 h 54 min
